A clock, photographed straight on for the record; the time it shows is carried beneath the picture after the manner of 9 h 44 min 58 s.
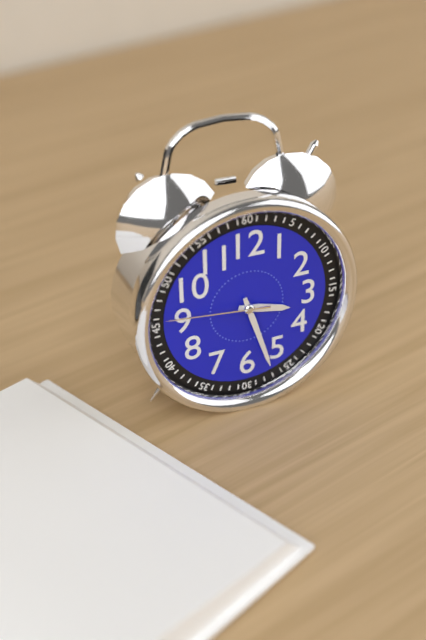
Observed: 3 h 27 min 46 s
